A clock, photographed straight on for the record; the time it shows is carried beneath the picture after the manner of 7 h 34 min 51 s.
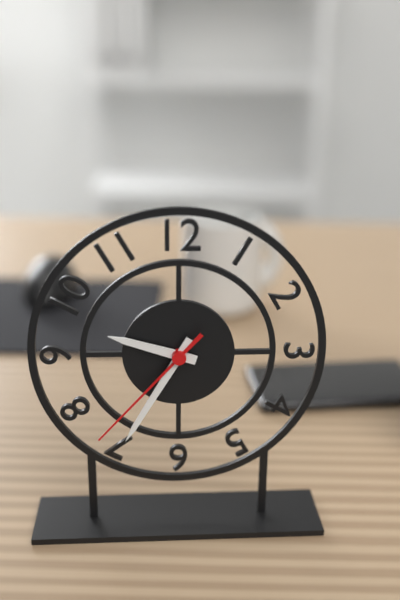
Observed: 9 h 35 min 37 s
